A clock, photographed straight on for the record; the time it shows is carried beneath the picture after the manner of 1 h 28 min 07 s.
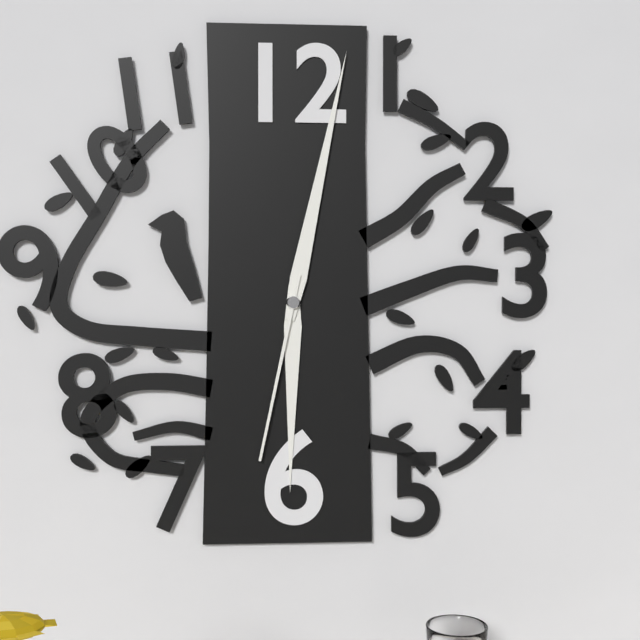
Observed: 6 h 02 min 32 s
